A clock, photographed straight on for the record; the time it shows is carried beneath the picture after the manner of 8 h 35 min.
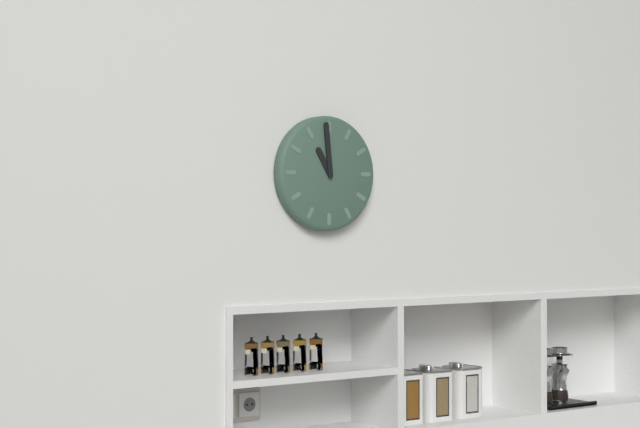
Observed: 10 h 59 min
